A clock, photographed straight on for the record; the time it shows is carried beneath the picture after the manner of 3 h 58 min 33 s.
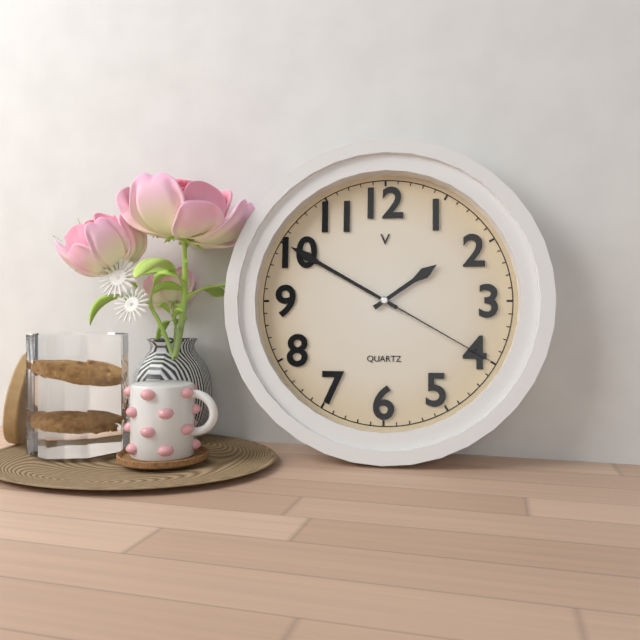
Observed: 1 h 50 min 20 s
